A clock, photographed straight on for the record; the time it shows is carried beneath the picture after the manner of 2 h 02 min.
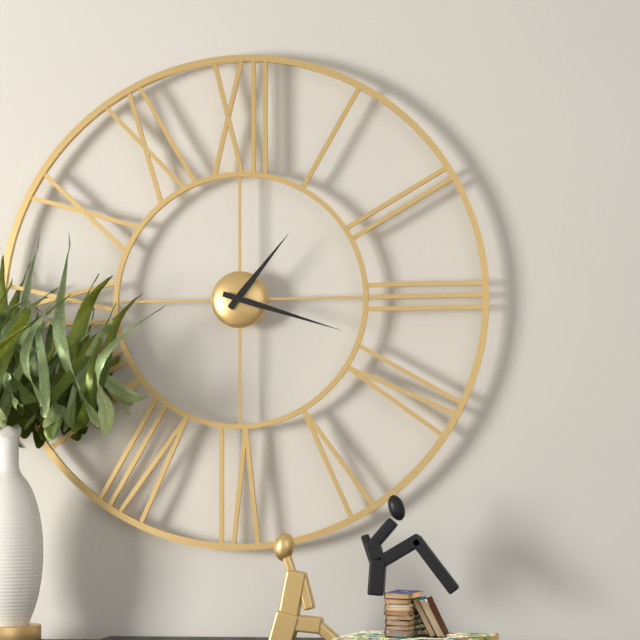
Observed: 1 h 18 min
